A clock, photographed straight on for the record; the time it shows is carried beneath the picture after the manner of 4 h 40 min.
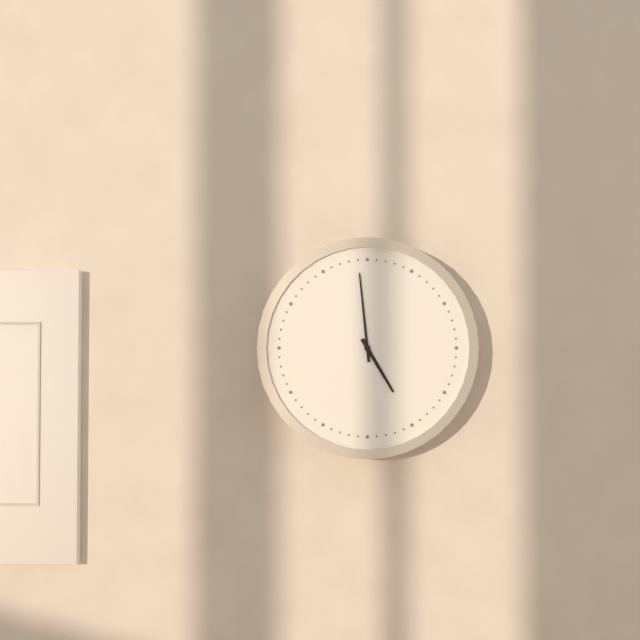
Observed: 4 h 59 min
